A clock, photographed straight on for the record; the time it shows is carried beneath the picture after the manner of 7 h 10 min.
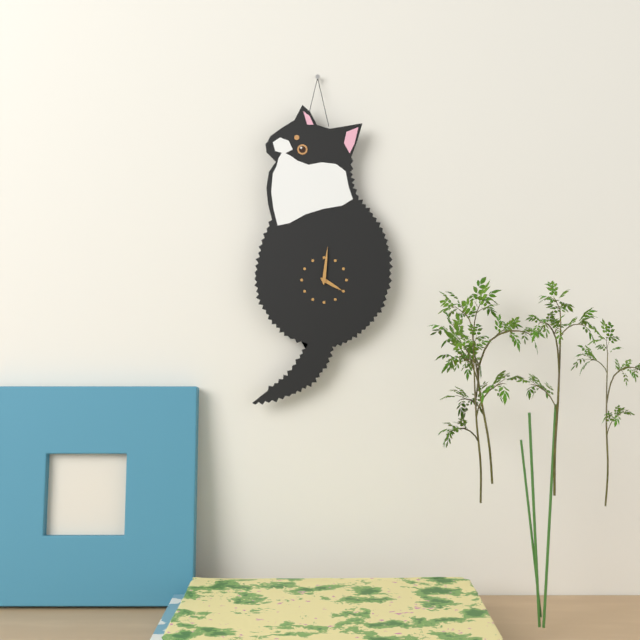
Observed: 4 h 01 min
